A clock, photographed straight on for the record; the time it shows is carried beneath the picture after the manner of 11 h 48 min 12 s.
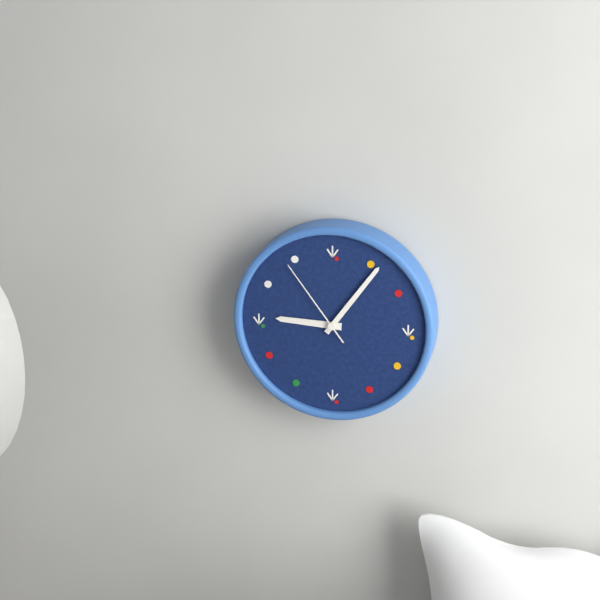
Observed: 9 h 06 min 54 s
